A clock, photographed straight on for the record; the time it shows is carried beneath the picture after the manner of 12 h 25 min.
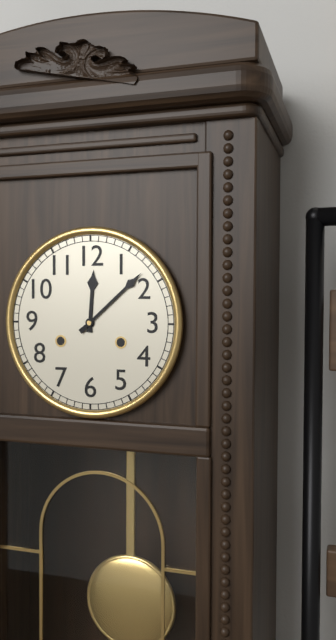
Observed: 12 h 08 min
